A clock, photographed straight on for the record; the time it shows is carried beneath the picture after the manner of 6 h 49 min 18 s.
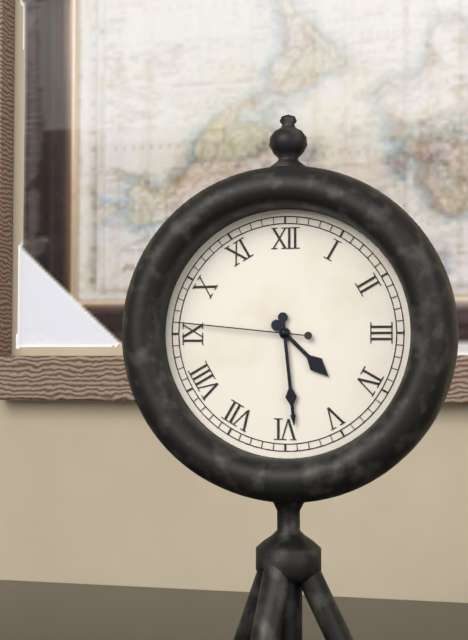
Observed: 4 h 29 min 46 s
